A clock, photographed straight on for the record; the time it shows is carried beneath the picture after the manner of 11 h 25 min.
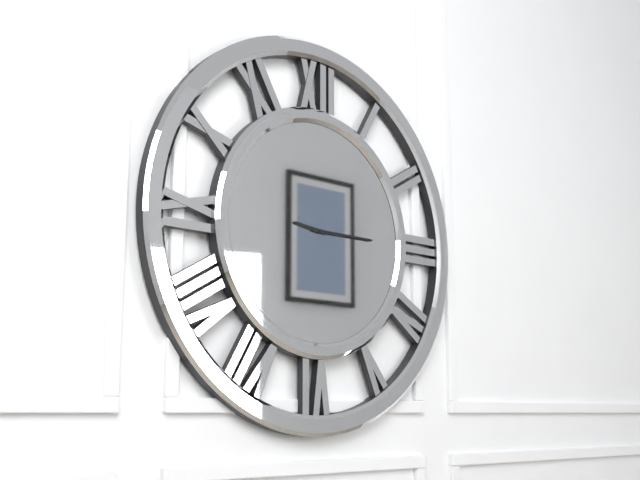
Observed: 9 h 15 min
